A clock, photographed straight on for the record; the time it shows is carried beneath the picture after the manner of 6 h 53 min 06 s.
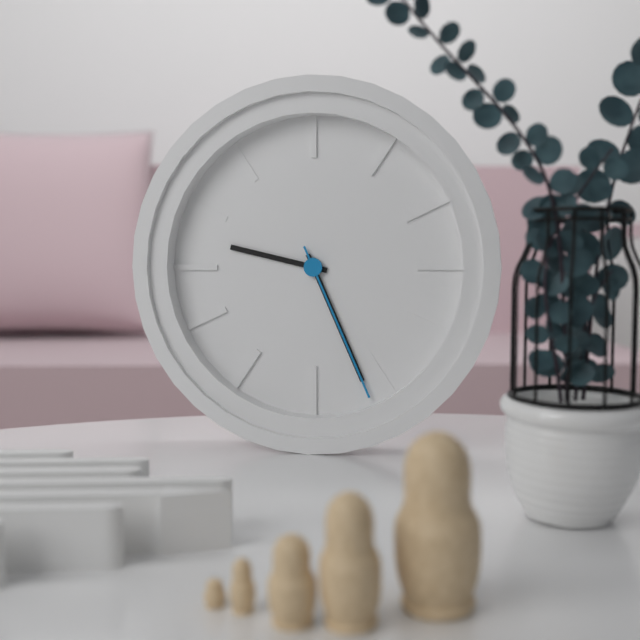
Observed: 9 h 26 min 26 s
